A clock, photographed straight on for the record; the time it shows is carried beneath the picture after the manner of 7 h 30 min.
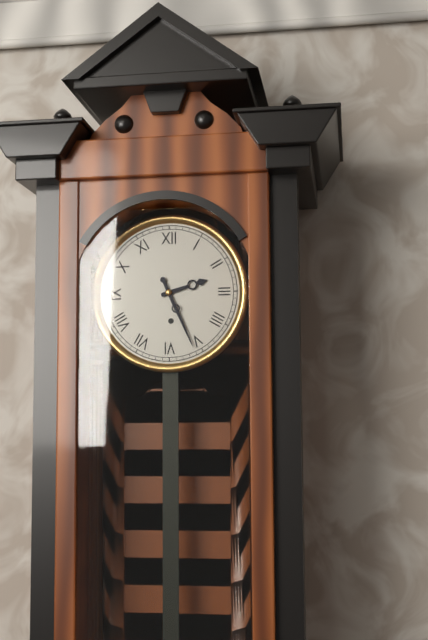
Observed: 2 h 26 min
